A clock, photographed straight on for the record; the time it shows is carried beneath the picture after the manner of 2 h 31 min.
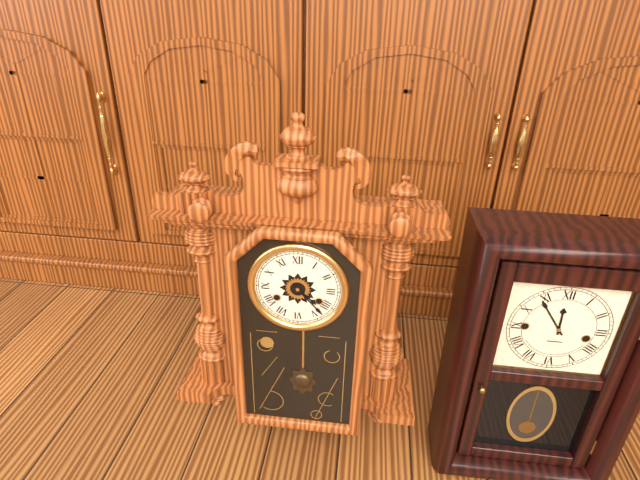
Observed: 4 h 23 min
